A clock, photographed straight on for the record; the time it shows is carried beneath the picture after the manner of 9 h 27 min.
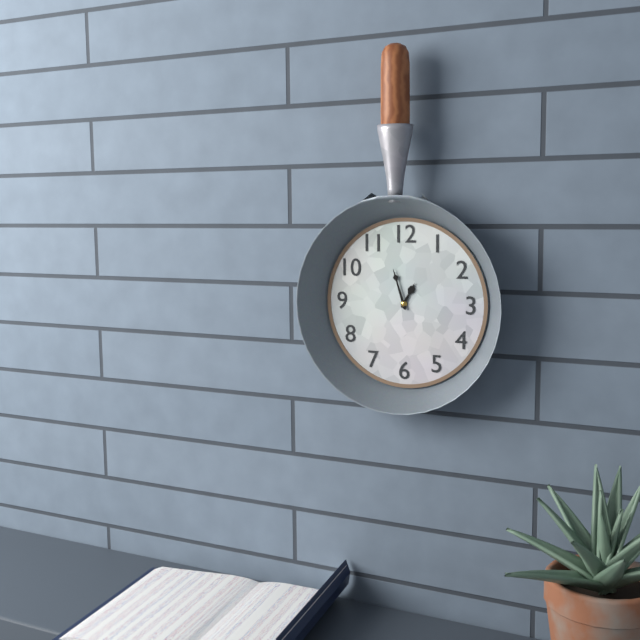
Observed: 12 h 57 min
